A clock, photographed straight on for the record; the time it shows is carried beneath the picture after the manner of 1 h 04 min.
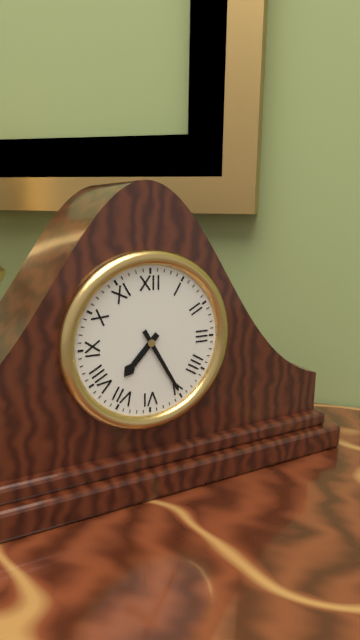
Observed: 7 h 25 min
